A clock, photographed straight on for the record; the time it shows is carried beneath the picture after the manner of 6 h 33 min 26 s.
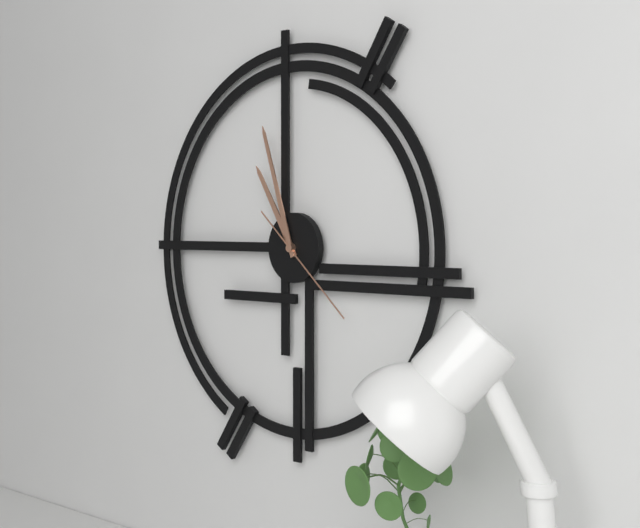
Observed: 10 h 57 min 22 s
